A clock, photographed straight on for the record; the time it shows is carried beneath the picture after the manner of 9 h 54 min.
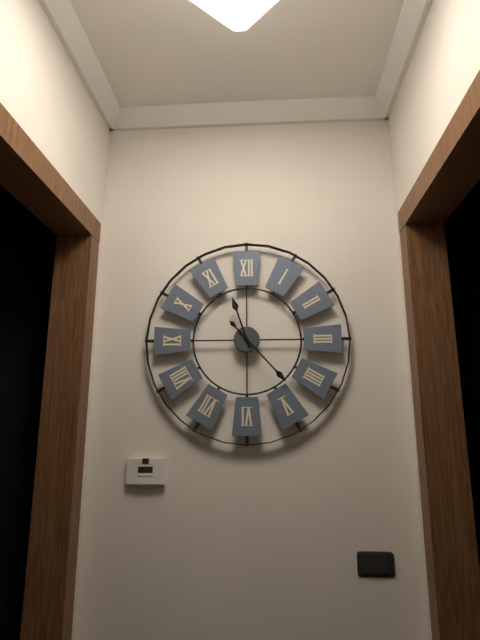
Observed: 11 h 23 min
